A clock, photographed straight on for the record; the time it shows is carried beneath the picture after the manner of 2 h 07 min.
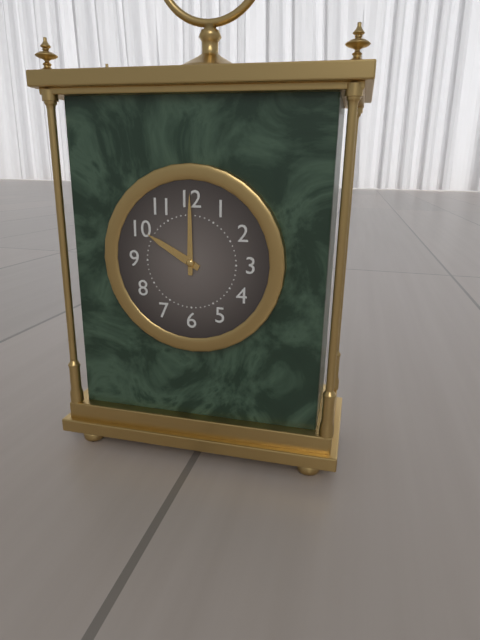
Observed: 10 h 00 min
